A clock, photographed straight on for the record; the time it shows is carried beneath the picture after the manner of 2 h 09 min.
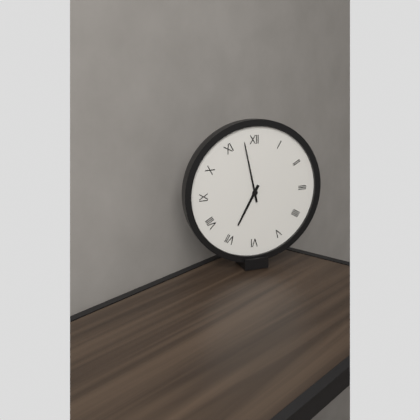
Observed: 6 h 58 min
